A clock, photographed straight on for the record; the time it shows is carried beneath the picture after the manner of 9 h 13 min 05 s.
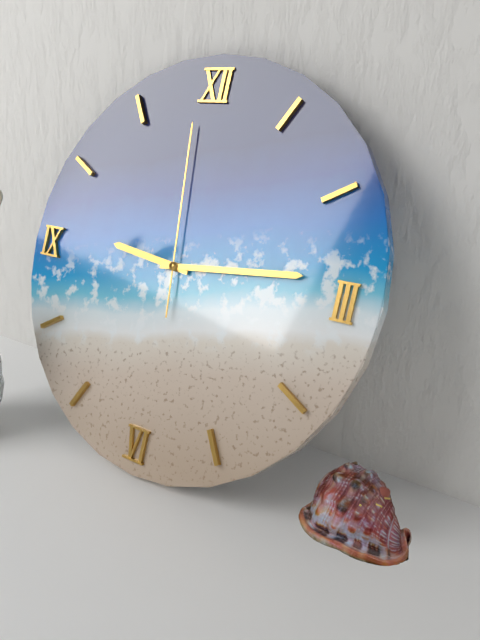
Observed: 9 h 14 min 59 s
